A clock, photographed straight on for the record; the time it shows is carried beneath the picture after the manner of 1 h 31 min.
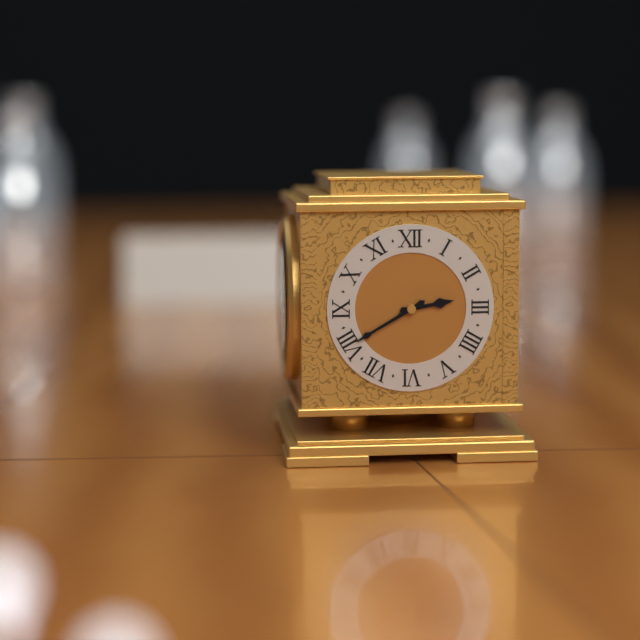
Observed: 2 h 40 min
